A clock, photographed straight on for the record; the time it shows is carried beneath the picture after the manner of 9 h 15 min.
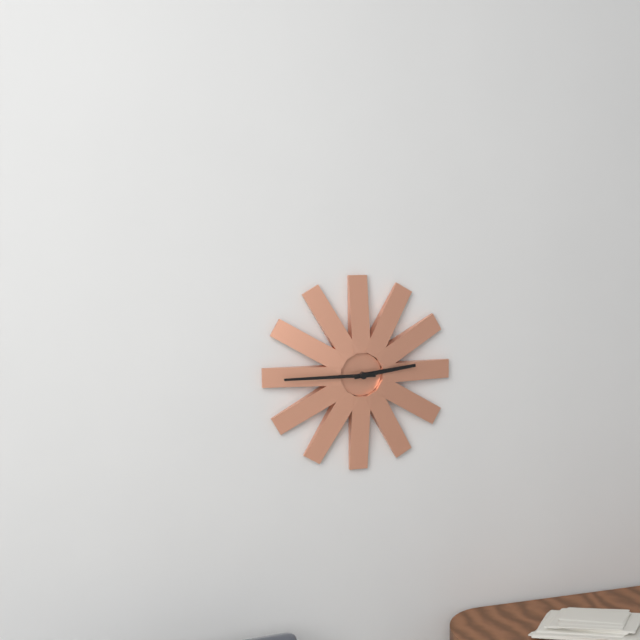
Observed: 2 h 45 min
